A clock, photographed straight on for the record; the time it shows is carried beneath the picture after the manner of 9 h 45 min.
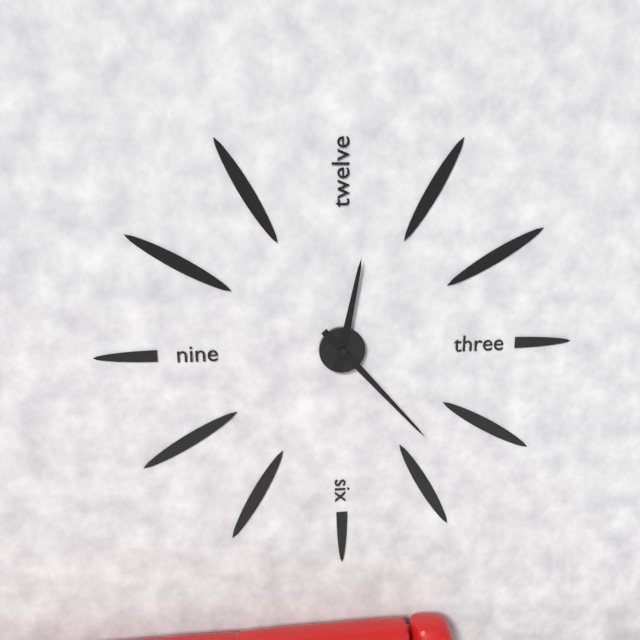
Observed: 12 h 23 min
